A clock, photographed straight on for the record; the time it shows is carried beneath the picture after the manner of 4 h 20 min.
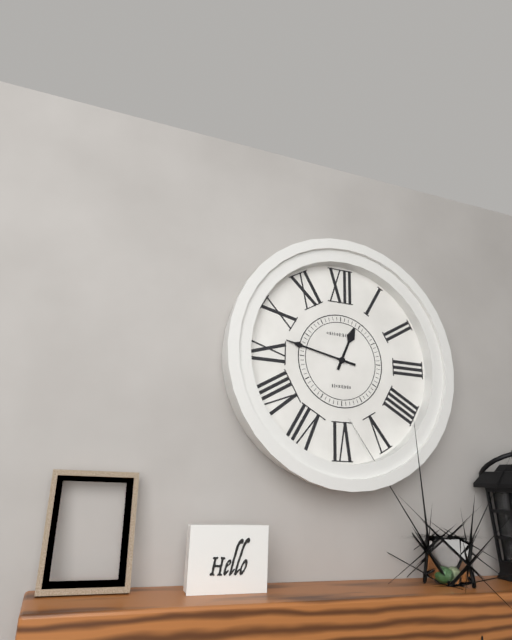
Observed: 12 h 47 min
